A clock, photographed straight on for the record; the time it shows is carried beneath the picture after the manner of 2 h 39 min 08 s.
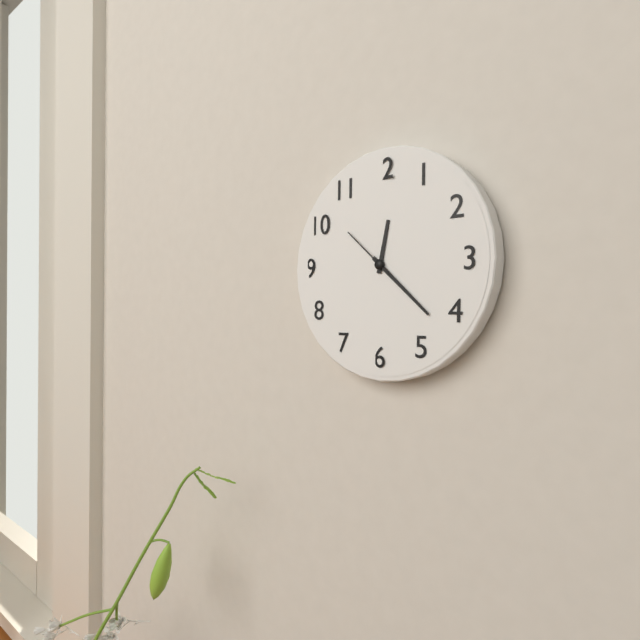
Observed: 12 h 22 min 52 s
